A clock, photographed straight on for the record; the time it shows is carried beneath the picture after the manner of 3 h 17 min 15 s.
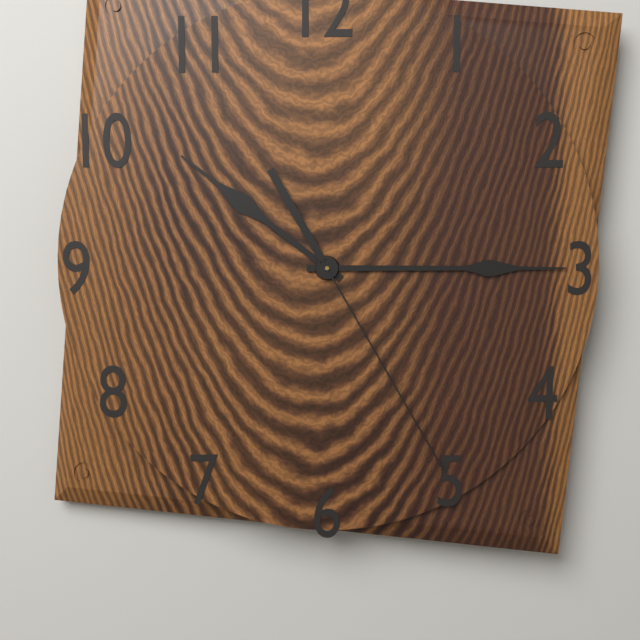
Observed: 10 h 15 min 25 s
